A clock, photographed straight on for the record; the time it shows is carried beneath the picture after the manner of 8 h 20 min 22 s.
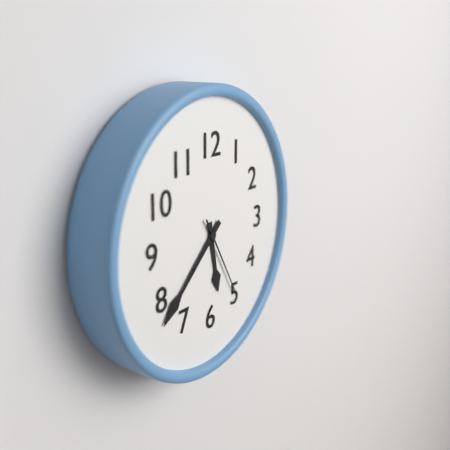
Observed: 5 h 38 min 25 s
